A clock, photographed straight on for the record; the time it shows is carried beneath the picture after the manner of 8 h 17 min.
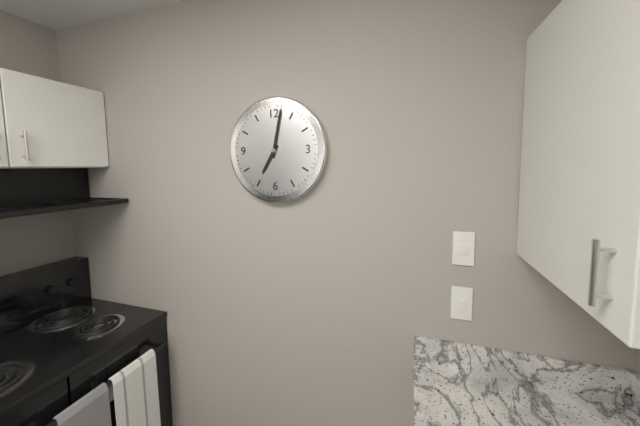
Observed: 7 h 02 min
